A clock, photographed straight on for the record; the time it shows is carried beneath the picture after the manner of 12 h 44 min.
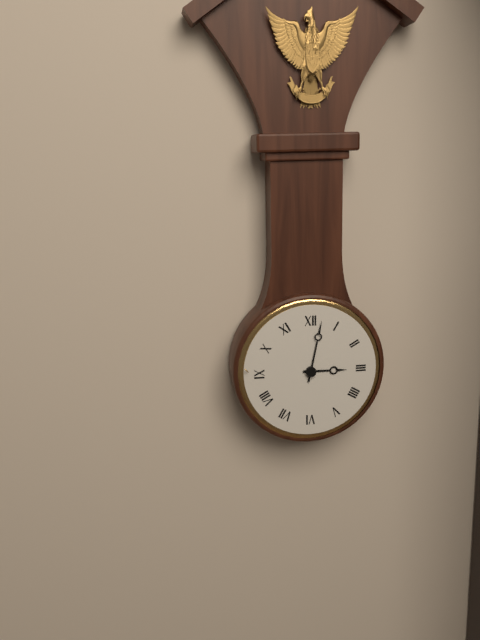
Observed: 3 h 02 min
